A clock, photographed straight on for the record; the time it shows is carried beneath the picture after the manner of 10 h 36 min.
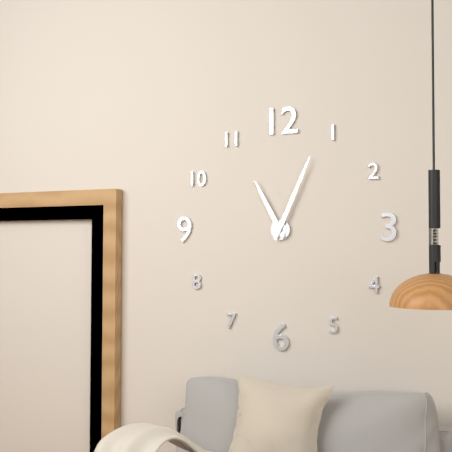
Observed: 11 h 04 min
